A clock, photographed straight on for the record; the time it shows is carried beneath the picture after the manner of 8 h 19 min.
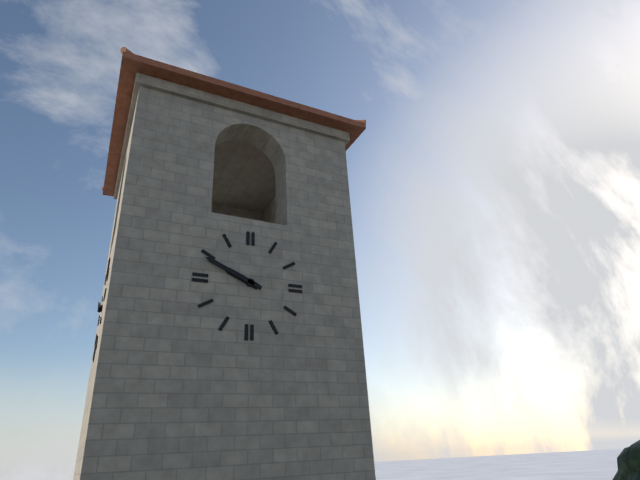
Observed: 9 h 49 min
